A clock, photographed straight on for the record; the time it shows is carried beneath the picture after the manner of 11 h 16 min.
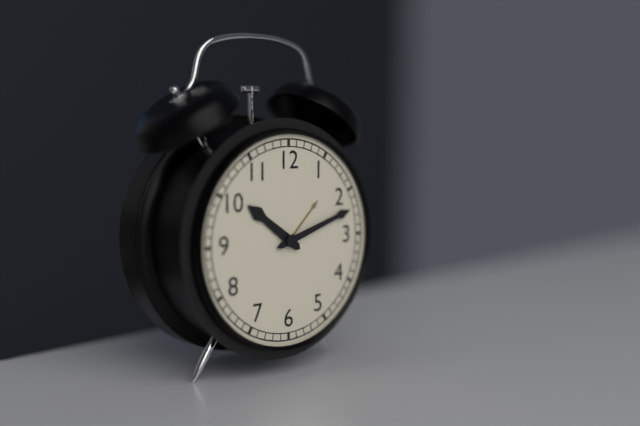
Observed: 10 h 12 min
